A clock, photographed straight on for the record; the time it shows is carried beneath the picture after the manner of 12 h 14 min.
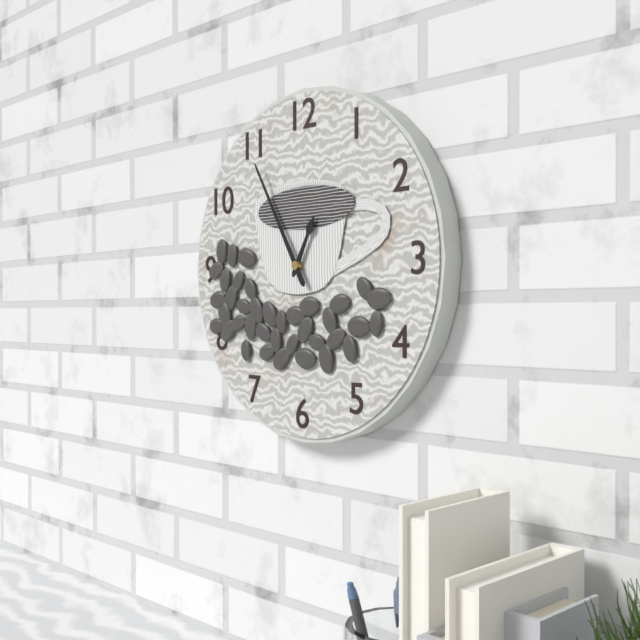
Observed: 12 h 55 min
